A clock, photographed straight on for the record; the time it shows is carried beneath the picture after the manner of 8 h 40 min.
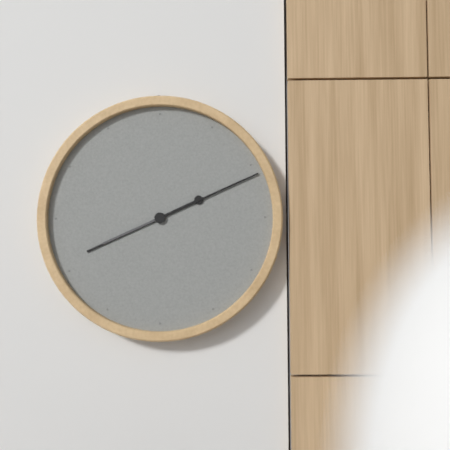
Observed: 8 h 11 min
